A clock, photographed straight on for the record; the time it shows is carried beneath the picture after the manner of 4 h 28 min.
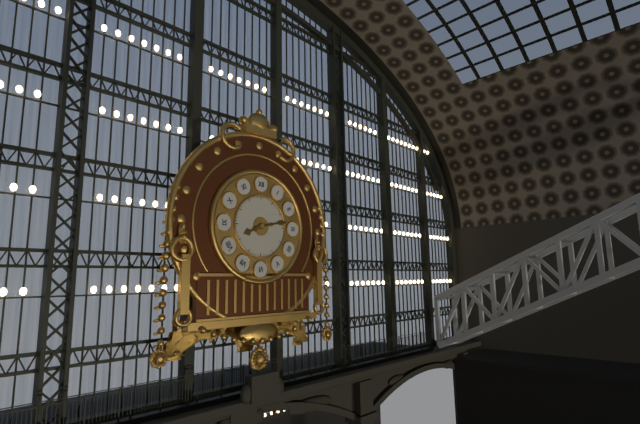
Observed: 8 h 13 min
